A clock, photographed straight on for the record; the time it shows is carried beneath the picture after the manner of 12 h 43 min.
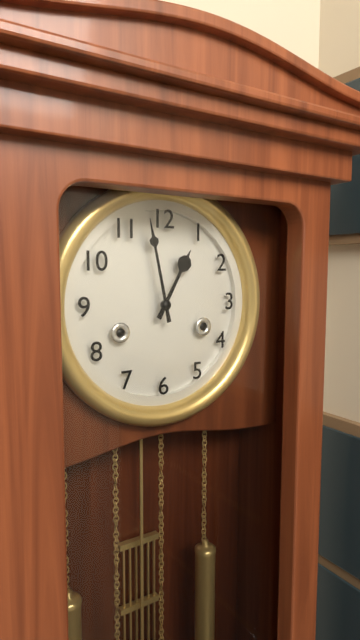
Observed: 12 h 58 min
